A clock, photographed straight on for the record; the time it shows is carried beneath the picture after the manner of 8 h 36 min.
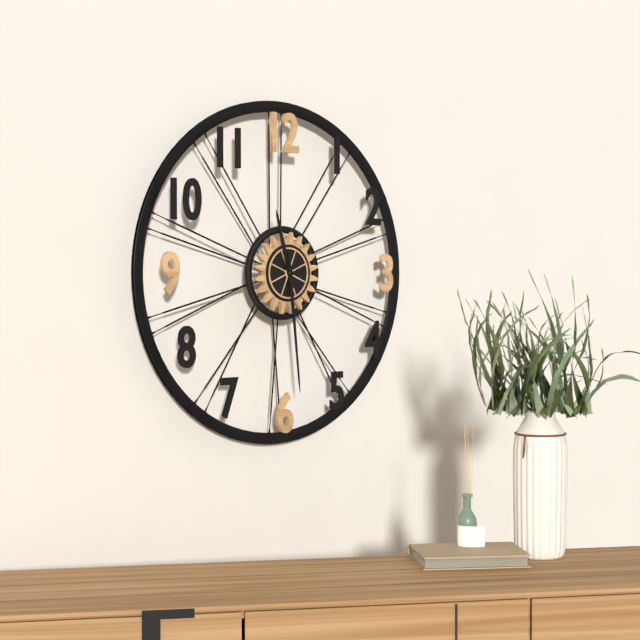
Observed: 11 h 29 min
